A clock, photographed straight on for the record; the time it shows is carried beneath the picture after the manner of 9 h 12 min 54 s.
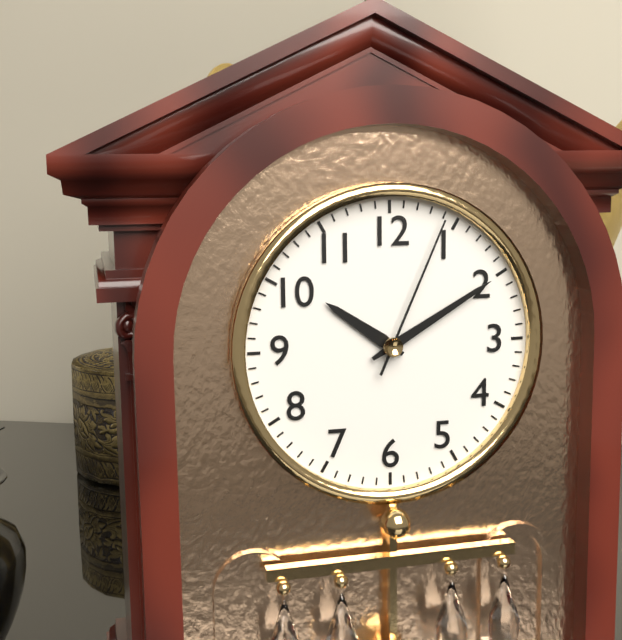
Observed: 10 h 10 min 04 s
